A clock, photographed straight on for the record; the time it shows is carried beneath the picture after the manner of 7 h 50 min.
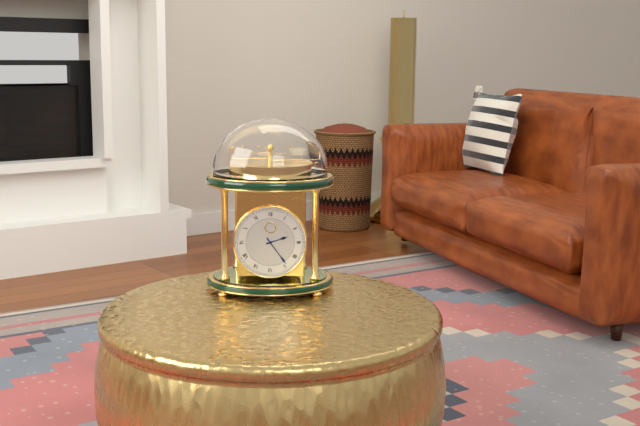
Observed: 2 h 24 min
